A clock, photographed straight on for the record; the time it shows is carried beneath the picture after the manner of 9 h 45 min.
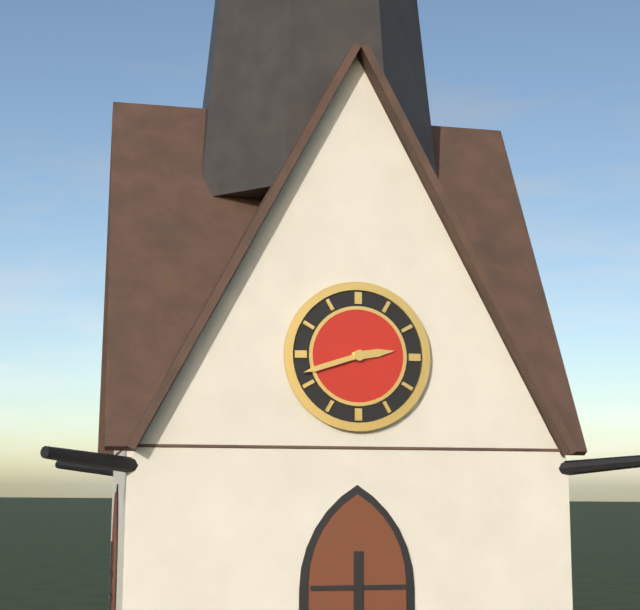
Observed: 2 h 42 min
